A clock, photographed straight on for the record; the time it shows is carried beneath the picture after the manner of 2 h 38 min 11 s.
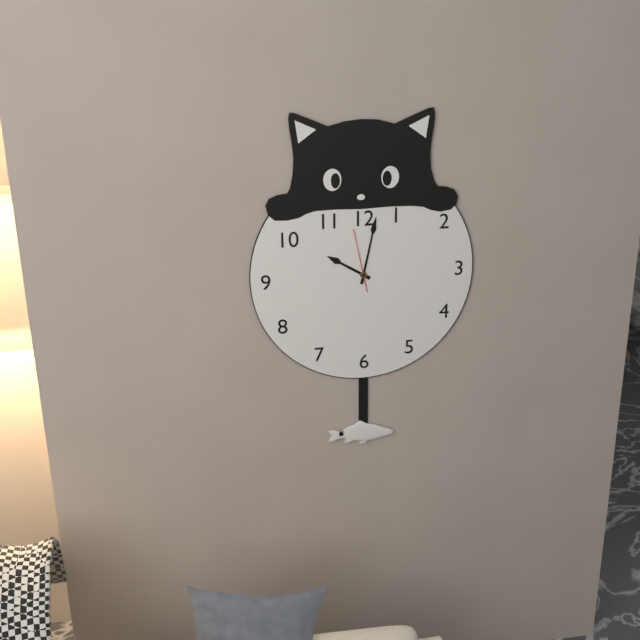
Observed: 10 h 02 min 58 s
